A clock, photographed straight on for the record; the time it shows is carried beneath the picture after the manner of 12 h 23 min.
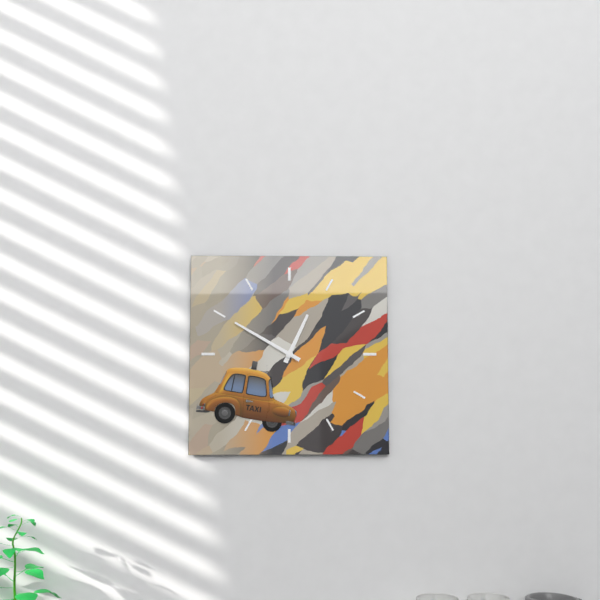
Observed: 12 h 50 min
